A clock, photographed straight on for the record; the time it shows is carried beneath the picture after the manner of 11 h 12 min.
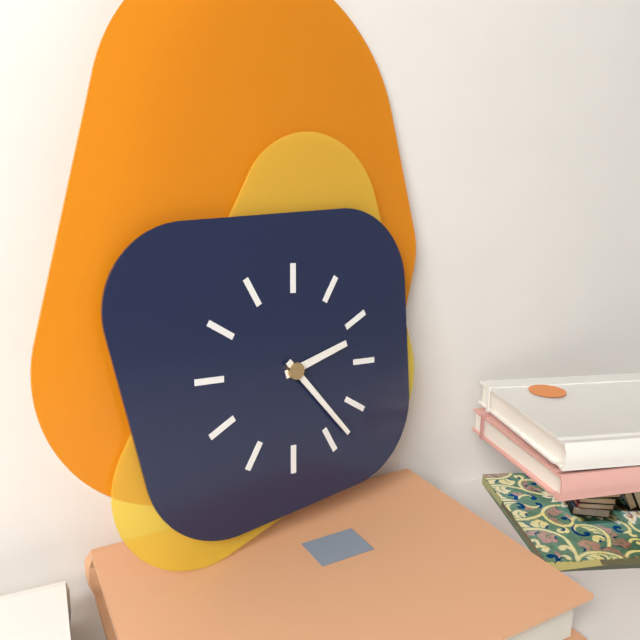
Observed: 2 h 23 min
